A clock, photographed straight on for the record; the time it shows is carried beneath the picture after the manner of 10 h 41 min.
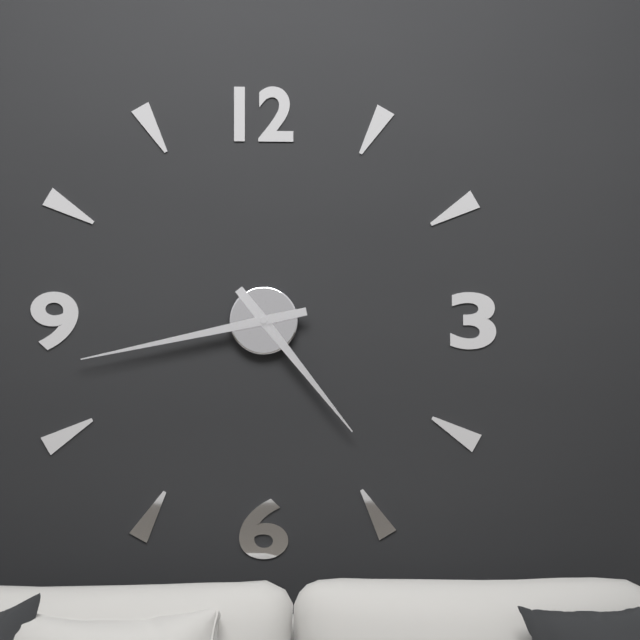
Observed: 4 h 43 min
